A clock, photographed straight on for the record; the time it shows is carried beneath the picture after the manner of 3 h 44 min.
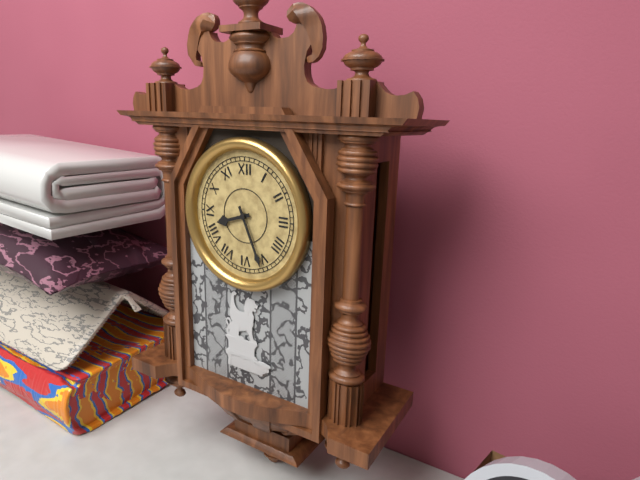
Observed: 8 h 26 min
